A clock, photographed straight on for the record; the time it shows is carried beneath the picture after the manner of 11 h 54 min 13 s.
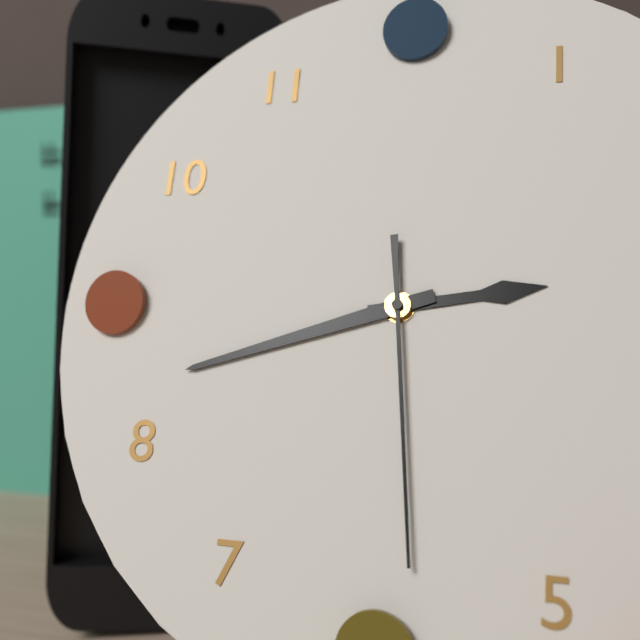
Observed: 2 h 42 min 29 s
